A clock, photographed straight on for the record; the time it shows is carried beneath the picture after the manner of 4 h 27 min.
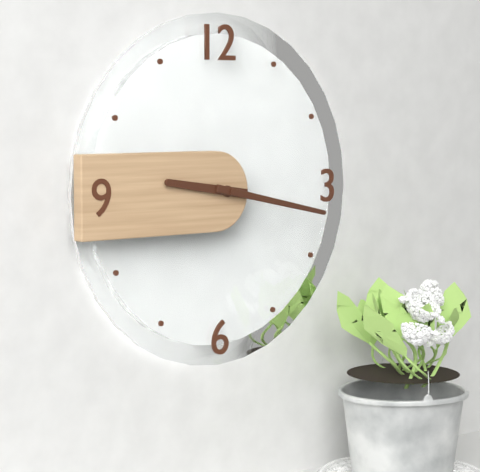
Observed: 9 h 17 min
